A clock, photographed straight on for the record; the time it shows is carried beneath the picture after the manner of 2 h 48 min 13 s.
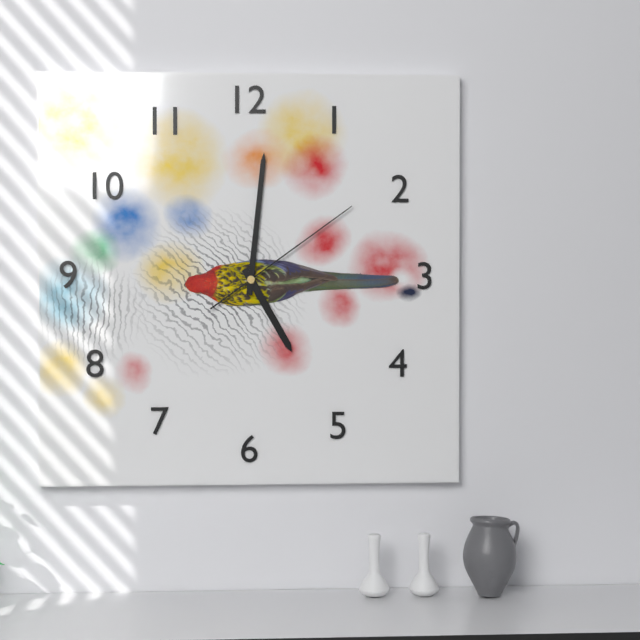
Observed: 5 h 01 min 09 s
